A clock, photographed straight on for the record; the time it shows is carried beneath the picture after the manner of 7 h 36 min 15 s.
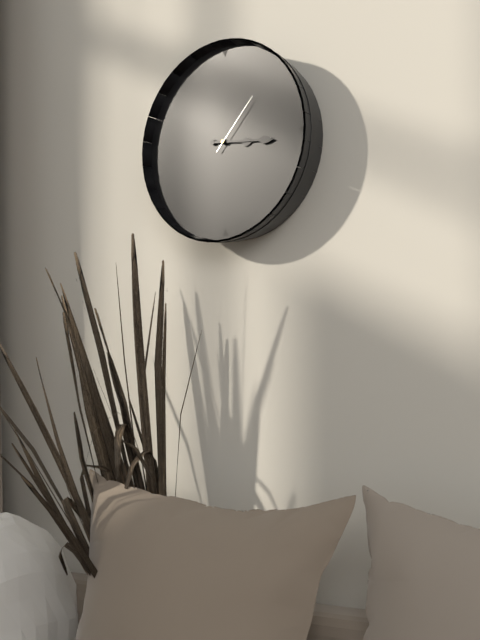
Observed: 3 h 16 min 07 s
